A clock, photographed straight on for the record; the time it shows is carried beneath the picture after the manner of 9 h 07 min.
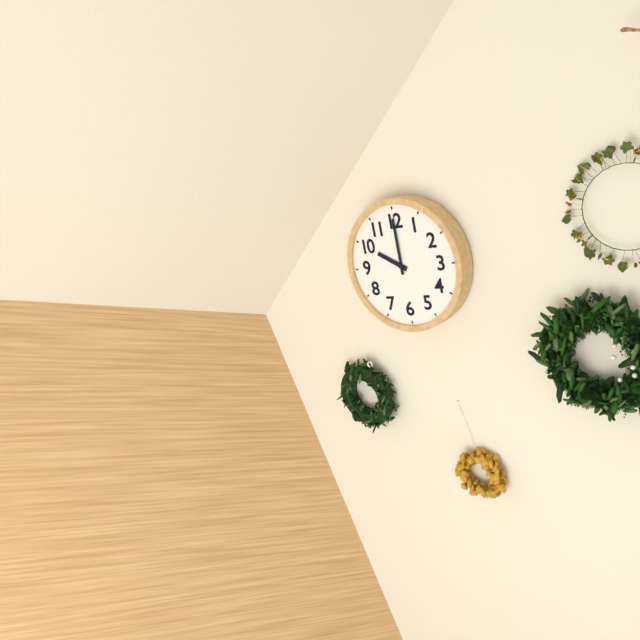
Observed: 10 h 00 min
